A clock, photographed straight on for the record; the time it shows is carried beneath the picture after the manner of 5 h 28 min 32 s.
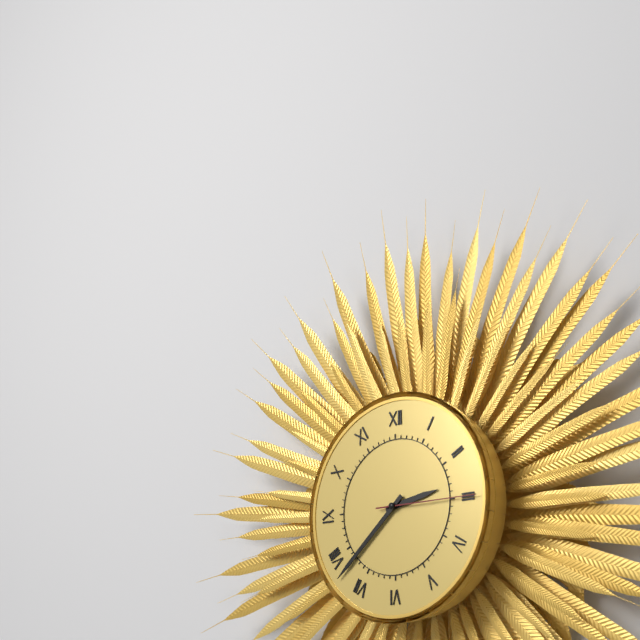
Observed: 2 h 38 min 15 s
